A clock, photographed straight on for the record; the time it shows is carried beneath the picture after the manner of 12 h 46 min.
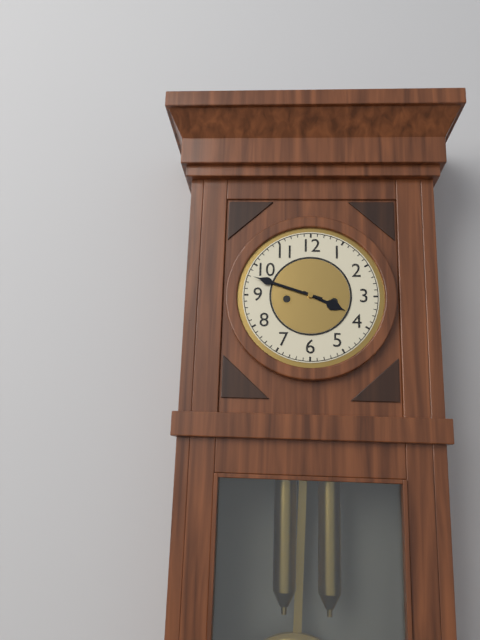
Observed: 3 h 48 min
